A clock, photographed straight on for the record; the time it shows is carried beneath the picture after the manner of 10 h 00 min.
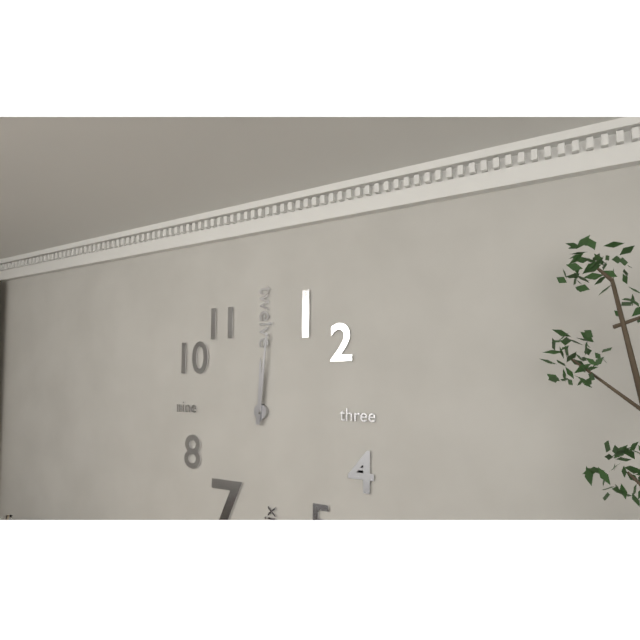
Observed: 12 h 01 min
